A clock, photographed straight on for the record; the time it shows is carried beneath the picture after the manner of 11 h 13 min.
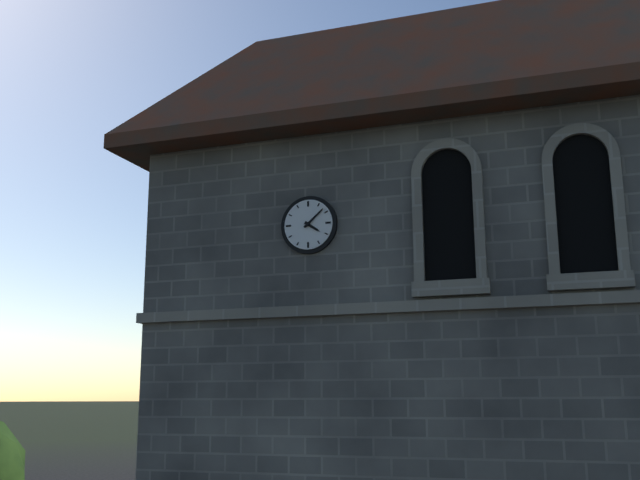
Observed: 4 h 08 min
